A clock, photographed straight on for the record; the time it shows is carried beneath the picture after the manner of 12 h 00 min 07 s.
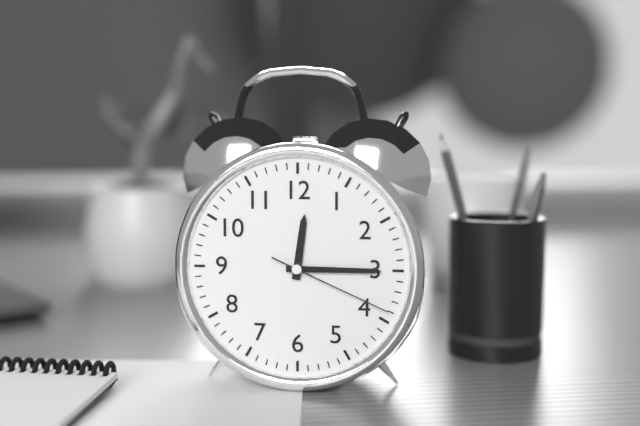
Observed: 12 h 15 min 19 s
